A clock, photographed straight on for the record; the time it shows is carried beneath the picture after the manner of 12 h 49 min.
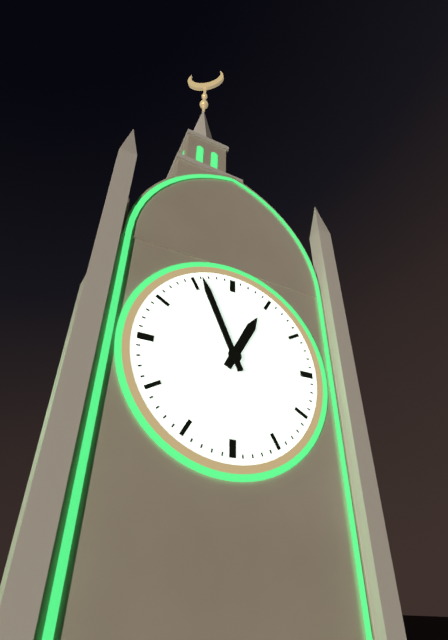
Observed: 12 h 56 min
